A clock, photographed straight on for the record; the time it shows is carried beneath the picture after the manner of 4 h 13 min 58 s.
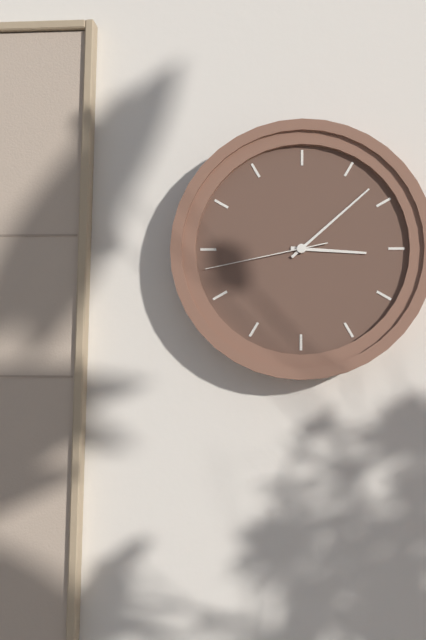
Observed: 3 h 08 min 43 s
